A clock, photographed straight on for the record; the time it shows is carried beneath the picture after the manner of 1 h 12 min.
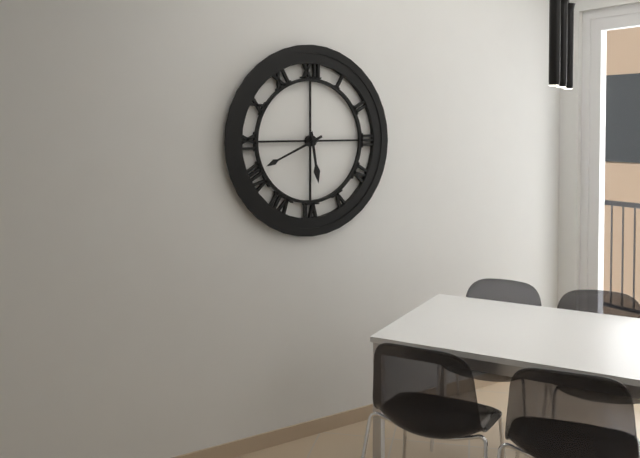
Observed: 5 h 41 min
